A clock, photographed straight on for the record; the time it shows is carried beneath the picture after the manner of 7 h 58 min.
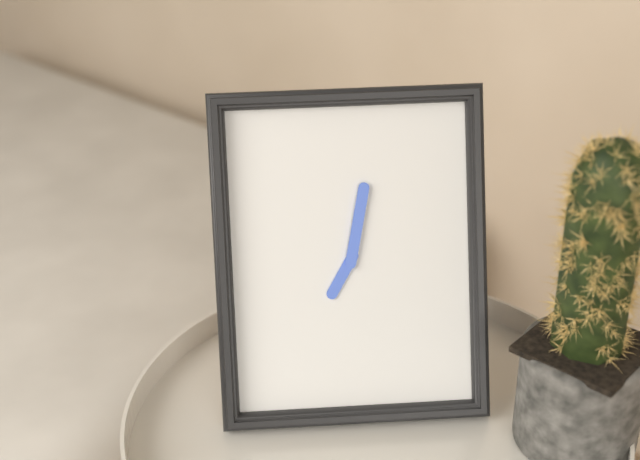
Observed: 7 h 02 min
